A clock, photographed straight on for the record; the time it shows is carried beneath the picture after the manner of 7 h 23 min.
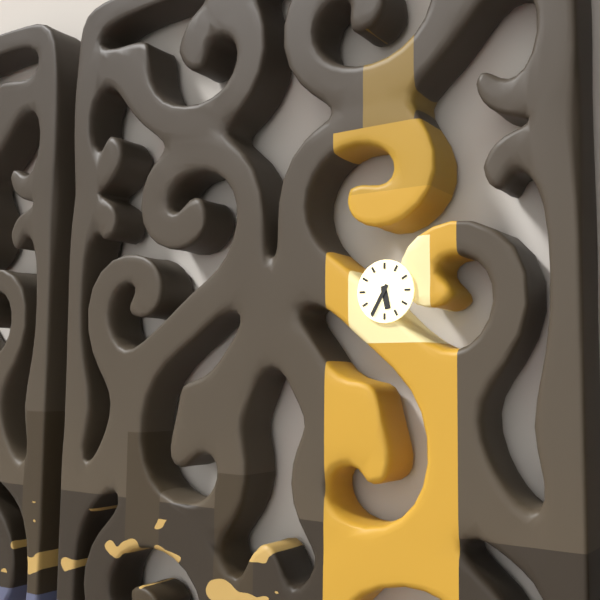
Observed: 5 h 35 min
